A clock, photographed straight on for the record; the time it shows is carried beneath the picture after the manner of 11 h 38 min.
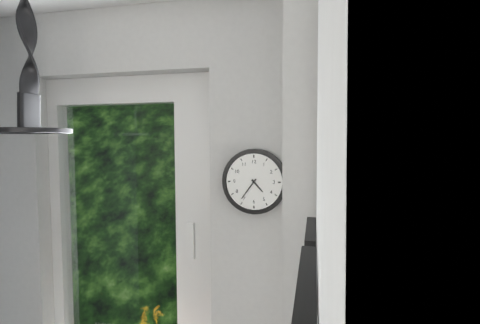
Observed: 4 h 36 min
